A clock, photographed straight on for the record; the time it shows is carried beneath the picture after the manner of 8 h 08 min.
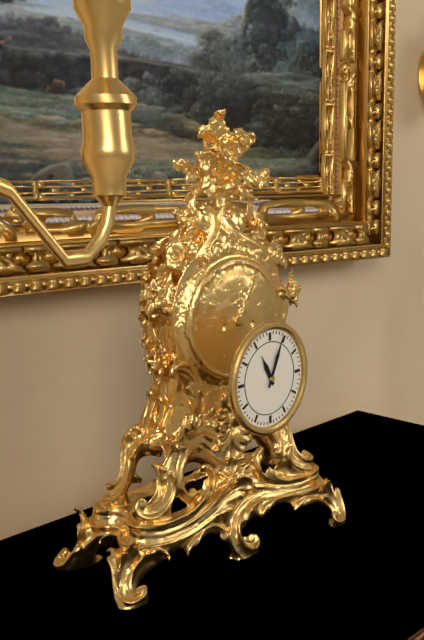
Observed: 11 h 04 min
